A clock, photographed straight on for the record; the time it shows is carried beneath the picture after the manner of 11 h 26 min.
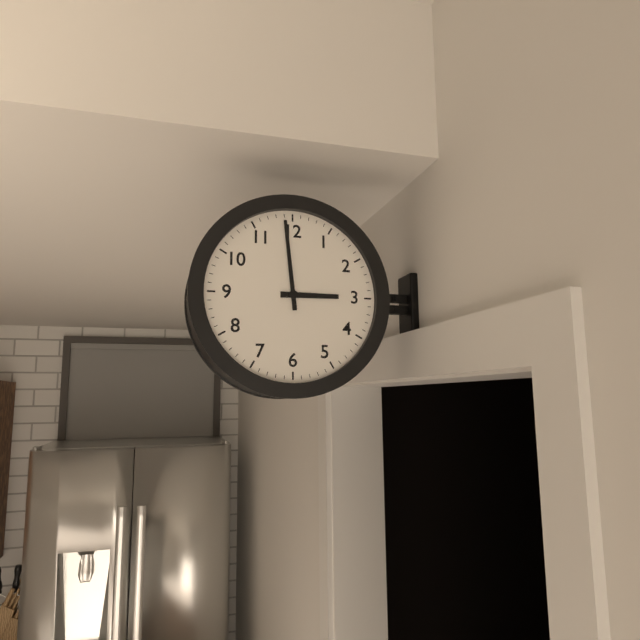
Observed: 2 h 59 min
